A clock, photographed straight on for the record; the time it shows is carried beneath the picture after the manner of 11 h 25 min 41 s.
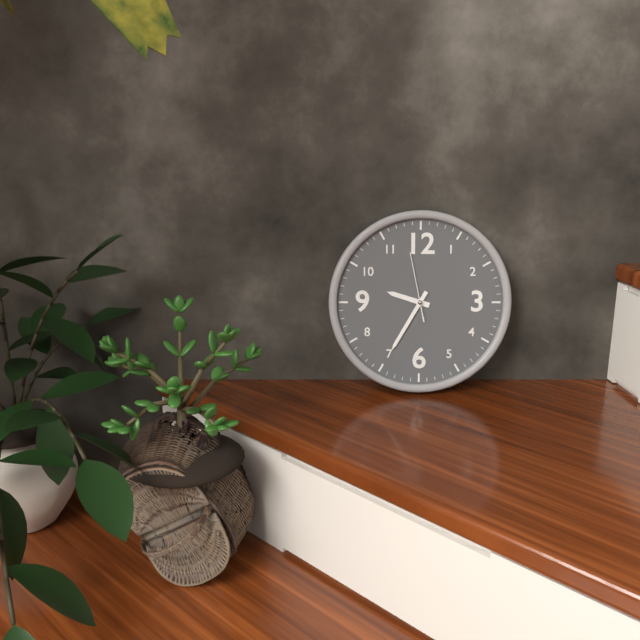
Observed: 9 h 35 min 58 s
